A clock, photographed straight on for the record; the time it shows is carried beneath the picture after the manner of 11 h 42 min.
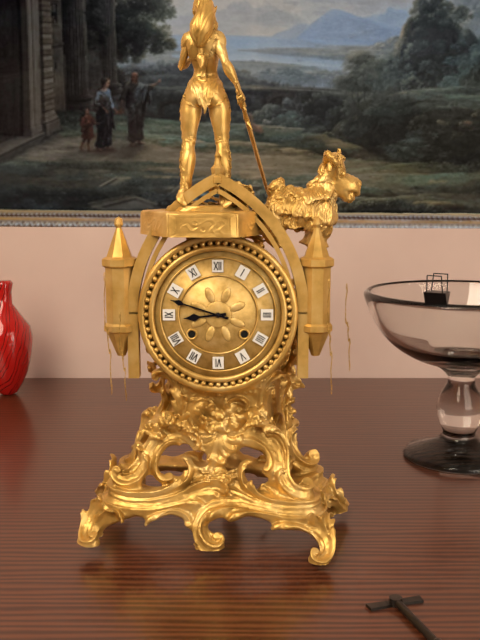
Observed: 8 h 48 min
